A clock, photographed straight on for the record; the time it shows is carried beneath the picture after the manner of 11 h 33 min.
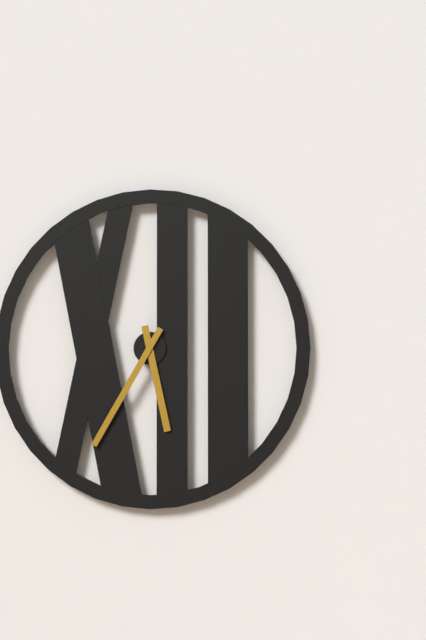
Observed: 5 h 35 min
